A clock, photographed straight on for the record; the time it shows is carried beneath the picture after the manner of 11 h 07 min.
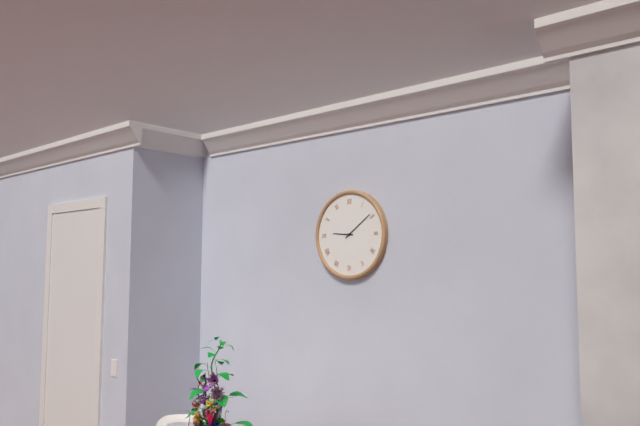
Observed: 9 h 09 min
